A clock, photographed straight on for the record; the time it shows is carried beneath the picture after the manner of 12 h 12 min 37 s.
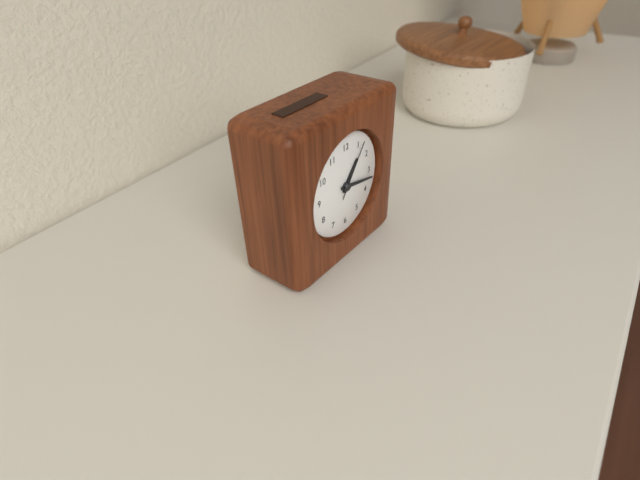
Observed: 1 h 17 min 06 s
